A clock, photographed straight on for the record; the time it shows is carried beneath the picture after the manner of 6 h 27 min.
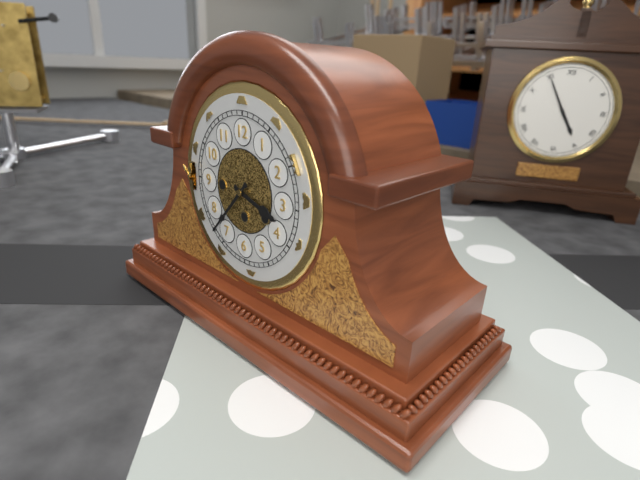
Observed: 3 h 37 min
